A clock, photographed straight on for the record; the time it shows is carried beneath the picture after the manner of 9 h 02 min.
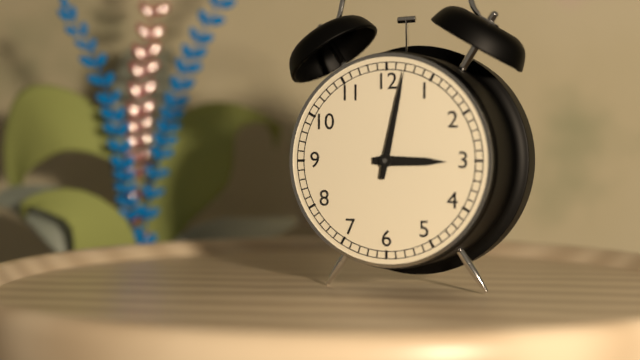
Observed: 3 h 02 min
